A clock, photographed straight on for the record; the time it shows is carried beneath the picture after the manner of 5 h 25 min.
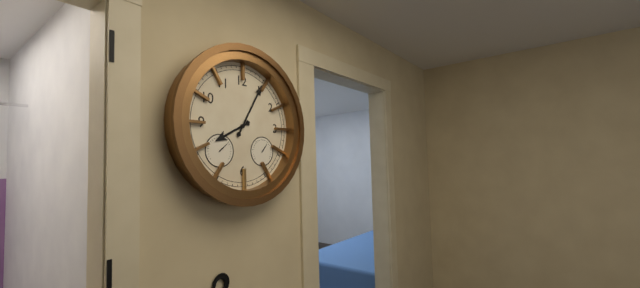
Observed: 8 h 05 min
